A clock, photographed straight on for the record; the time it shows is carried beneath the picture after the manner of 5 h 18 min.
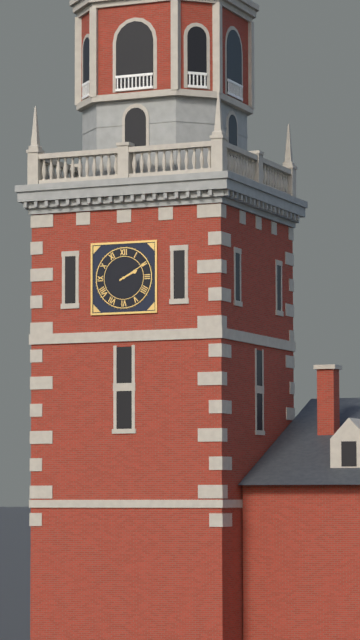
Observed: 2 h 10 min
